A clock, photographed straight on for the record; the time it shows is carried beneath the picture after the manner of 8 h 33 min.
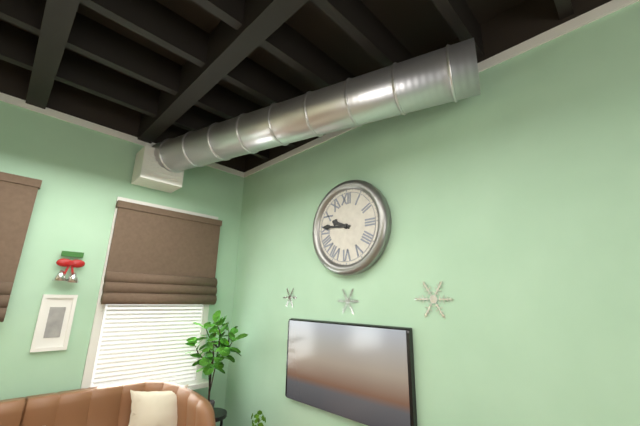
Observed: 9 h 46 min
